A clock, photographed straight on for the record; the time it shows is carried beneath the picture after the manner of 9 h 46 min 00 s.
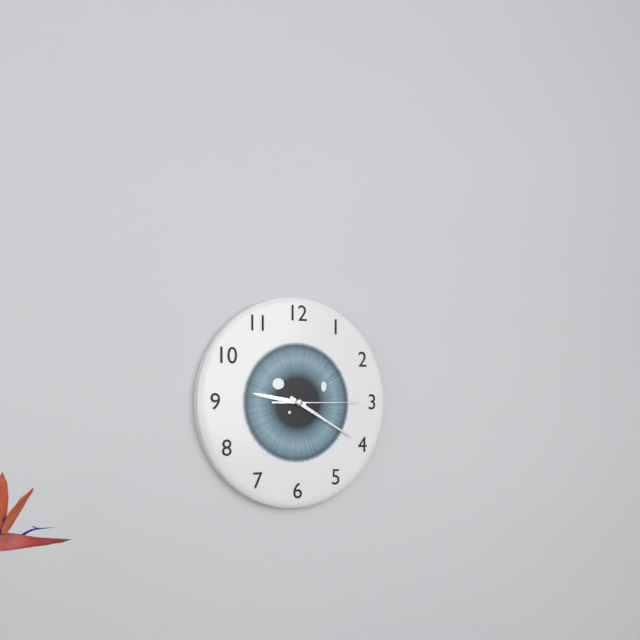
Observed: 9 h 20 min 15 s
